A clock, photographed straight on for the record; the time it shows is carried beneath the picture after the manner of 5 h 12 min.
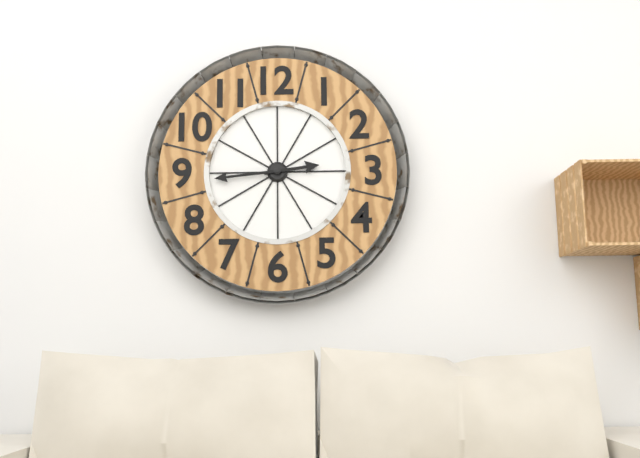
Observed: 2 h 44 min
